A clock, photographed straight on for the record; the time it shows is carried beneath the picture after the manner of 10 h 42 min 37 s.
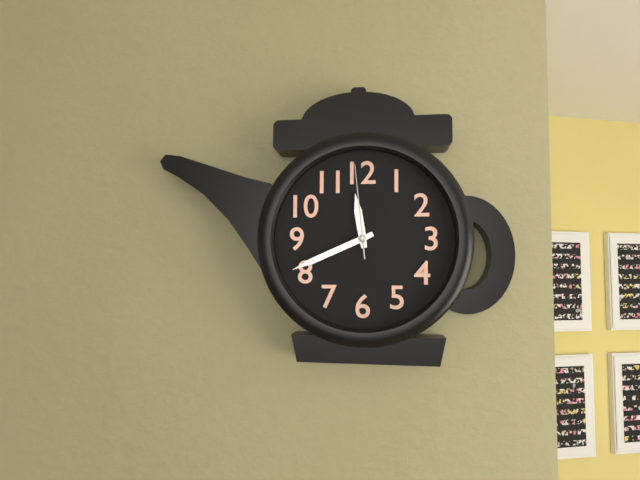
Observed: 11 h 41 min 59 s
